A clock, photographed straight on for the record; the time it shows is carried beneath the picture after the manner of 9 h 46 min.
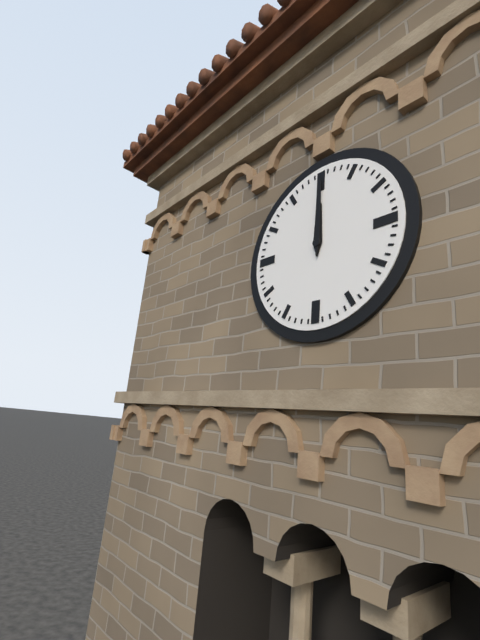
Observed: 12 h 00 min
